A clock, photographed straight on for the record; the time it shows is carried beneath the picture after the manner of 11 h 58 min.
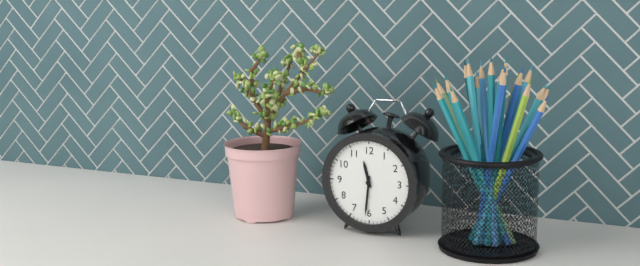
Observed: 11 h 31 min
